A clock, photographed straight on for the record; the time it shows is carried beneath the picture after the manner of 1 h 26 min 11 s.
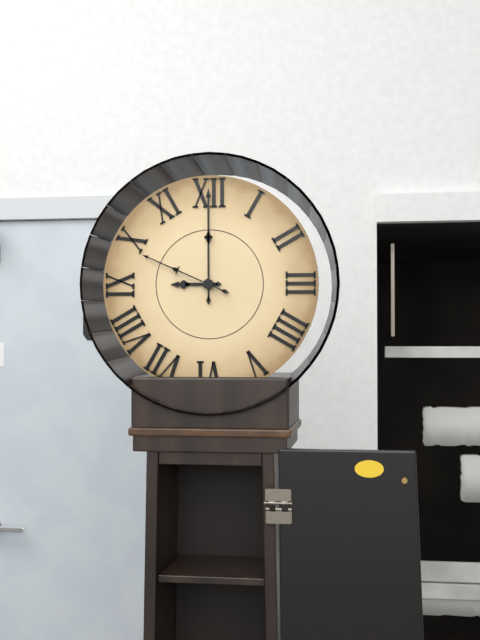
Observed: 9 h 00 min 49 s
